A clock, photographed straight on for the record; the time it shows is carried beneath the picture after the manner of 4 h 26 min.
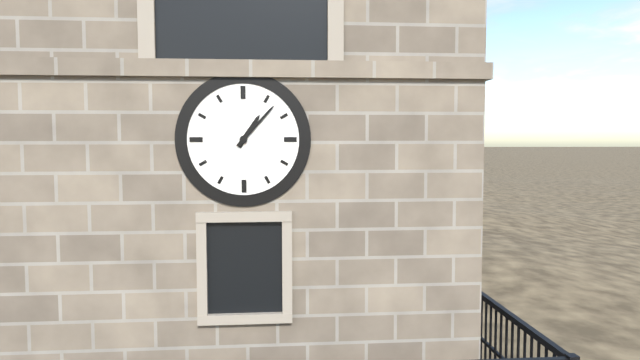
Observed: 1 h 07 min
